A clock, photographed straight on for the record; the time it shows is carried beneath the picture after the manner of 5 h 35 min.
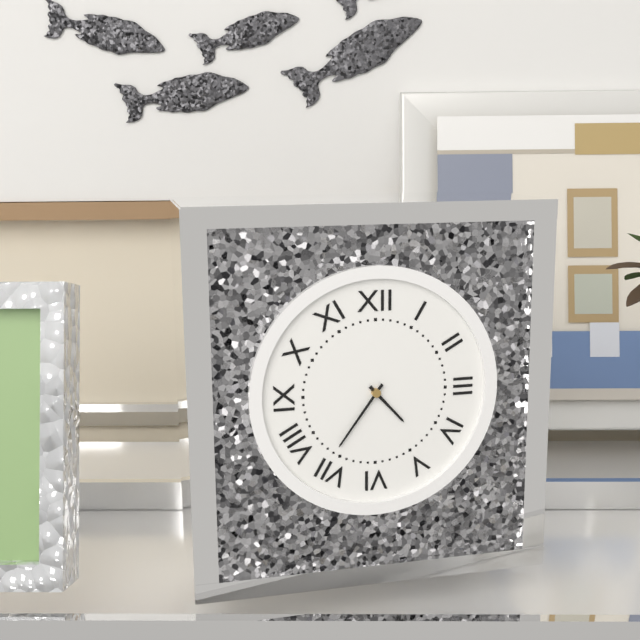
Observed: 4 h 36 min
